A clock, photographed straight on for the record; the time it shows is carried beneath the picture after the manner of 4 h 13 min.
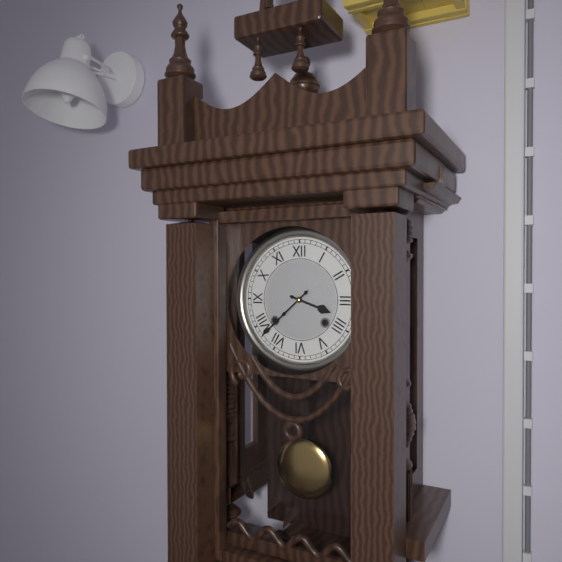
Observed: 3 h 38 min
